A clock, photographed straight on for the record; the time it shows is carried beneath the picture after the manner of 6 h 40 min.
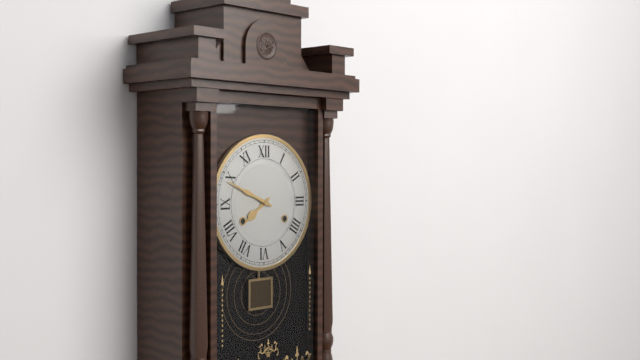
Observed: 7 h 49 min
